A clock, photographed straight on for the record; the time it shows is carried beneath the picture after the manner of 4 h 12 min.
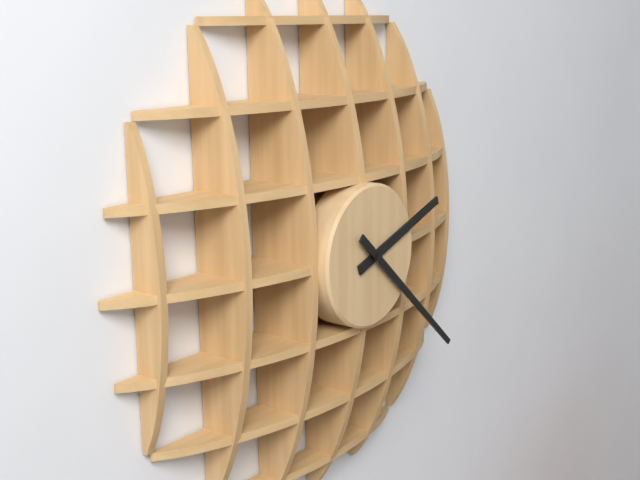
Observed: 2 h 22 min
